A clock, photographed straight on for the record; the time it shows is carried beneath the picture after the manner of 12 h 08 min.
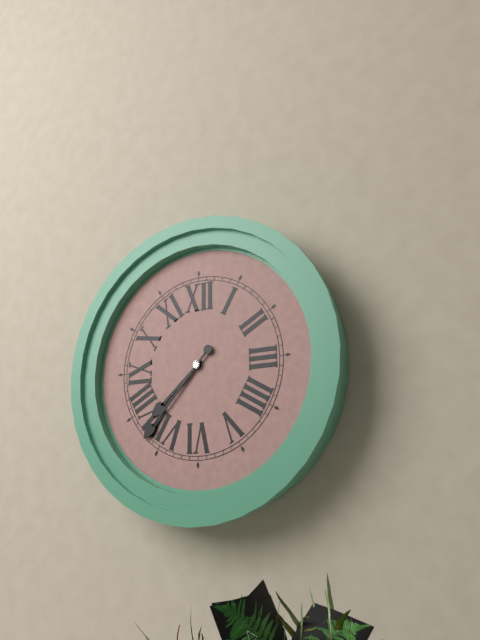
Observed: 7 h 37 min
